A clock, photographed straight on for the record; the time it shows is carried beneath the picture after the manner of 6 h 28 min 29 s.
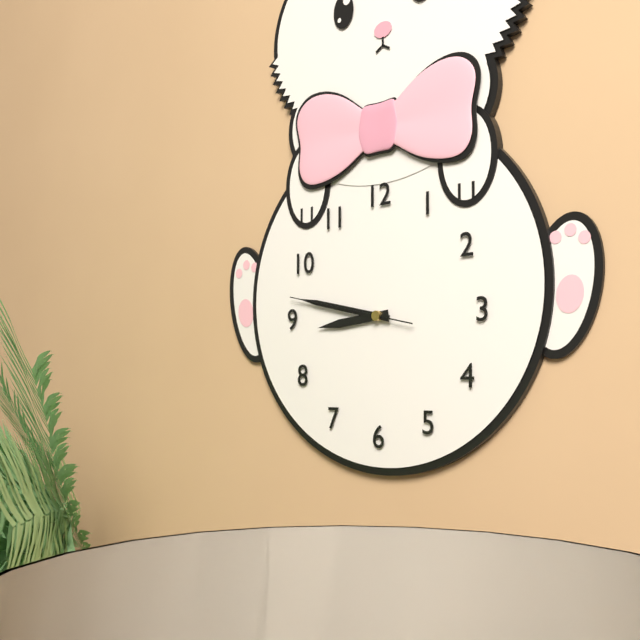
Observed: 8 h 47 min 47 s
